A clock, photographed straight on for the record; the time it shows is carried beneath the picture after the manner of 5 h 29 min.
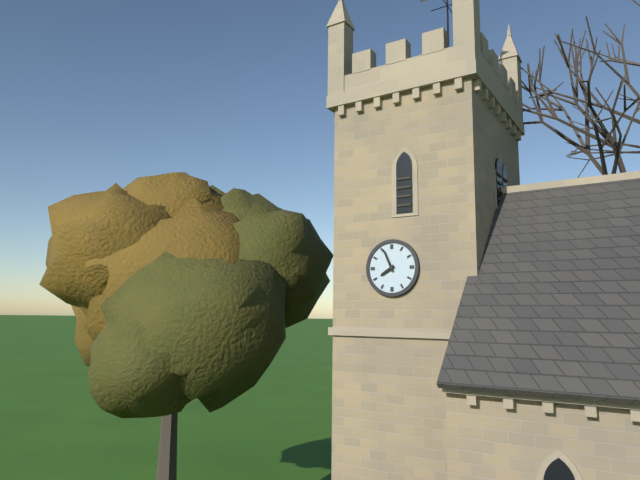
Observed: 7 h 56 min
